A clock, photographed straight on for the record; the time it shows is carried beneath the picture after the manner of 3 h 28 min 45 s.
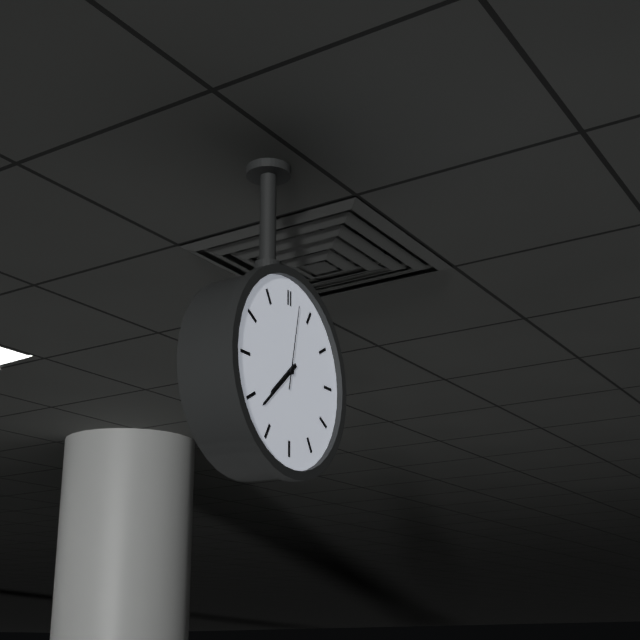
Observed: 7 h 38 min 02 s
